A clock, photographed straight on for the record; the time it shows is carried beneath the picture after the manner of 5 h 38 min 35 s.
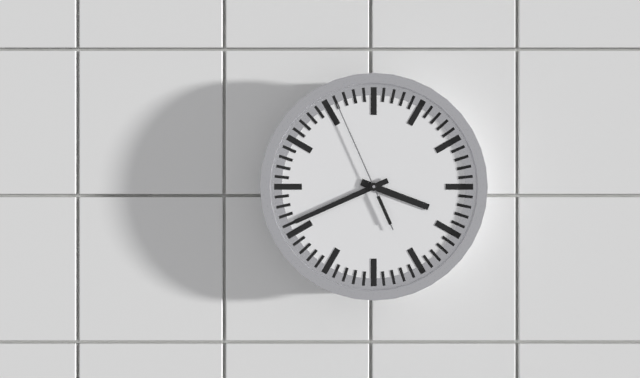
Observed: 3 h 41 min 56 s
